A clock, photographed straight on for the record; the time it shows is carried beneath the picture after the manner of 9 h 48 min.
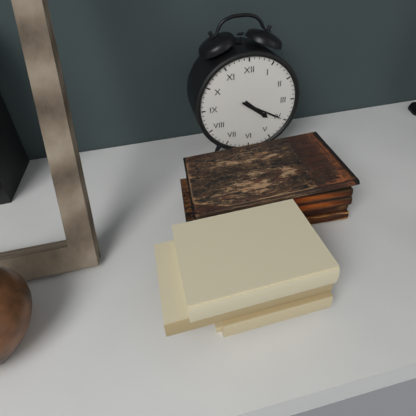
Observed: 4 h 20 min
